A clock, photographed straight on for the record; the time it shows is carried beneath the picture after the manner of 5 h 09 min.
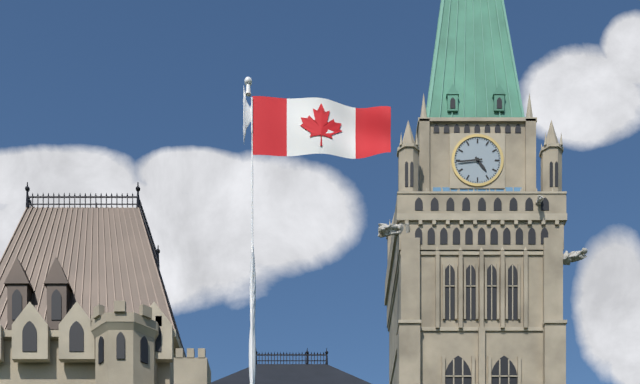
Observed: 4 h 44 min
